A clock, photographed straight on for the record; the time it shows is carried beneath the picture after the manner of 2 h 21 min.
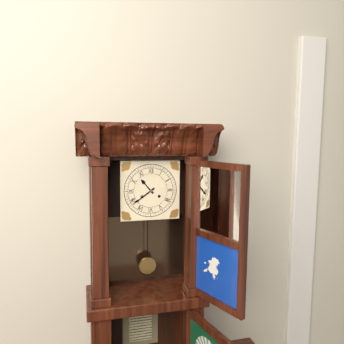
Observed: 10 h 39 min
